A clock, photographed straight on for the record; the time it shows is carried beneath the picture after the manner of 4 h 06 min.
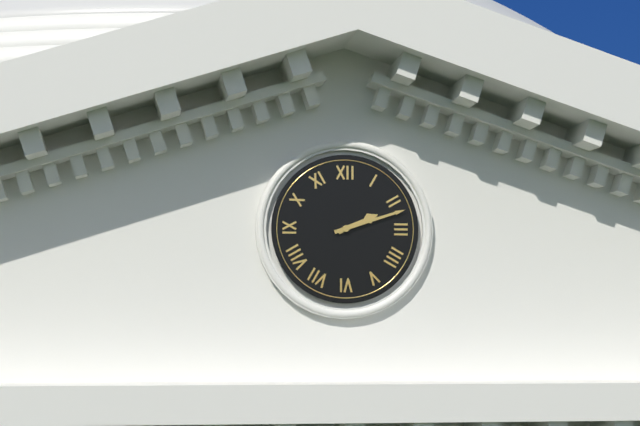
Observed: 2 h 12 min
